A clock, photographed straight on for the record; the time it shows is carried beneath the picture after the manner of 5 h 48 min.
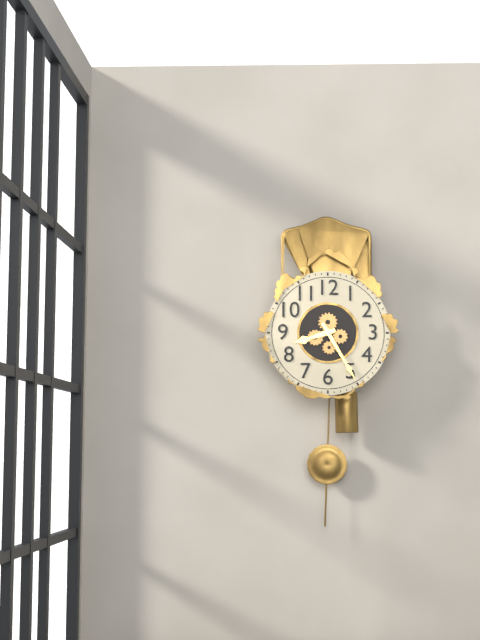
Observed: 8 h 25 min
